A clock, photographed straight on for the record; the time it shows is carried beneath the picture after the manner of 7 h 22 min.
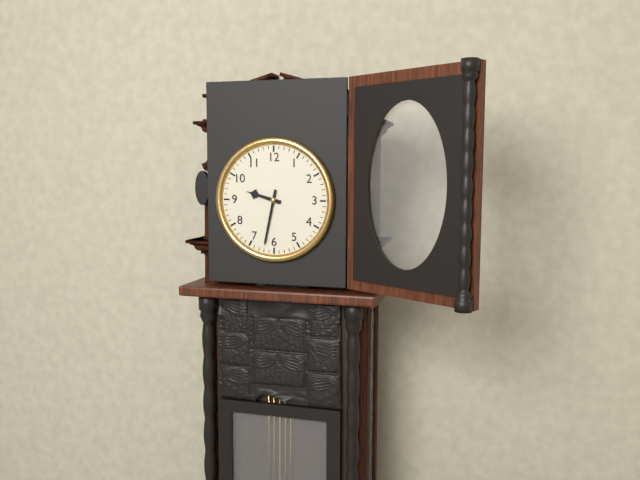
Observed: 9 h 32 min
